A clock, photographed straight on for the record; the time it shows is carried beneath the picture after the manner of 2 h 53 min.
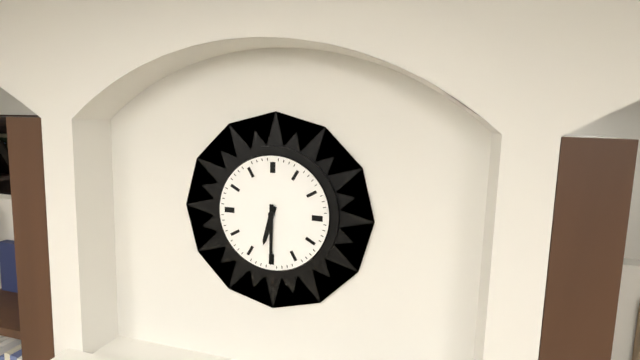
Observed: 6 h 30 min
